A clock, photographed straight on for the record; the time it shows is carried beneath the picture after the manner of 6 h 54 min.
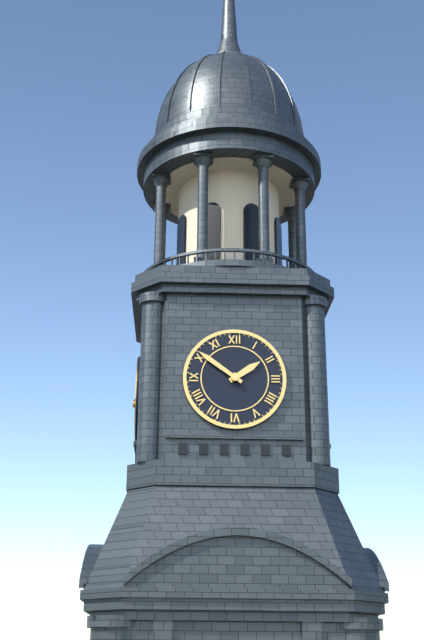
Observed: 1 h 51 min
